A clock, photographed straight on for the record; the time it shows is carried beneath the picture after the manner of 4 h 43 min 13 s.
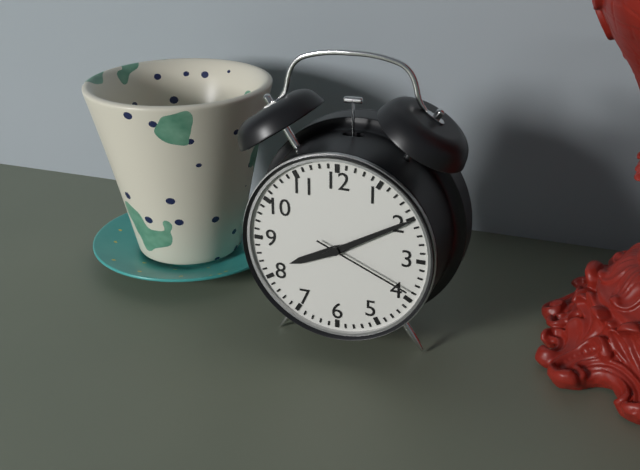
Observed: 8 h 10 min 19 s
